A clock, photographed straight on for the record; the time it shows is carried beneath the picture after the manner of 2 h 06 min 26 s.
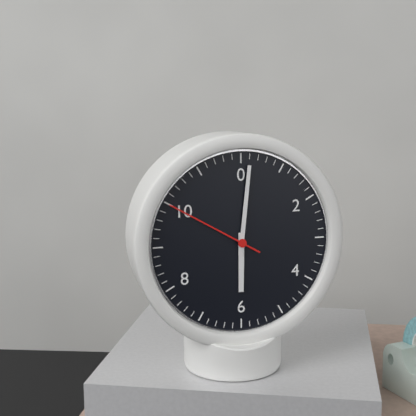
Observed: 6 h 01 min 50 s
